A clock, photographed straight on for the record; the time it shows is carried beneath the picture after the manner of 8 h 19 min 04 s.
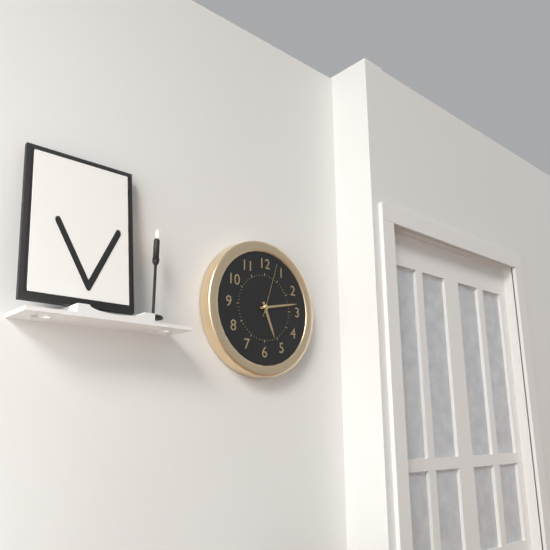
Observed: 5 h 13 min 03 s
